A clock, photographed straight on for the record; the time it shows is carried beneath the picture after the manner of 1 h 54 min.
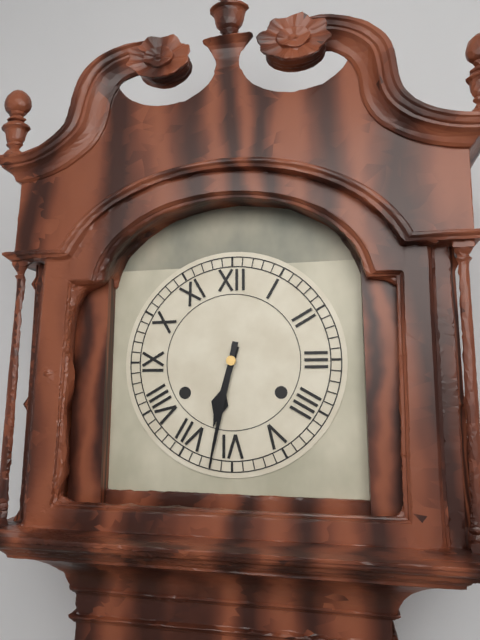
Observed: 6 h 32 min
